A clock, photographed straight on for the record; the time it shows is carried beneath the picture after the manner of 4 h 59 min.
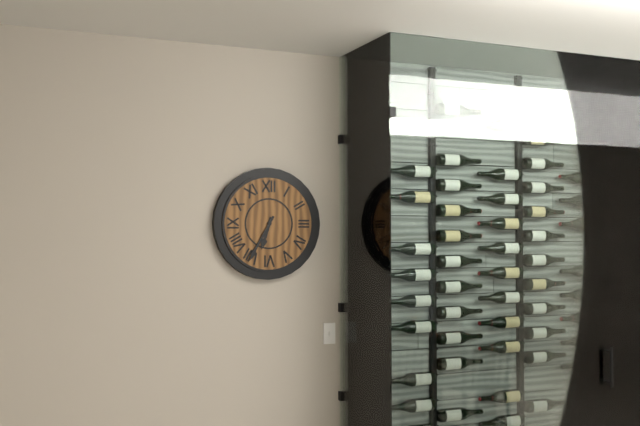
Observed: 6 h 35 min
